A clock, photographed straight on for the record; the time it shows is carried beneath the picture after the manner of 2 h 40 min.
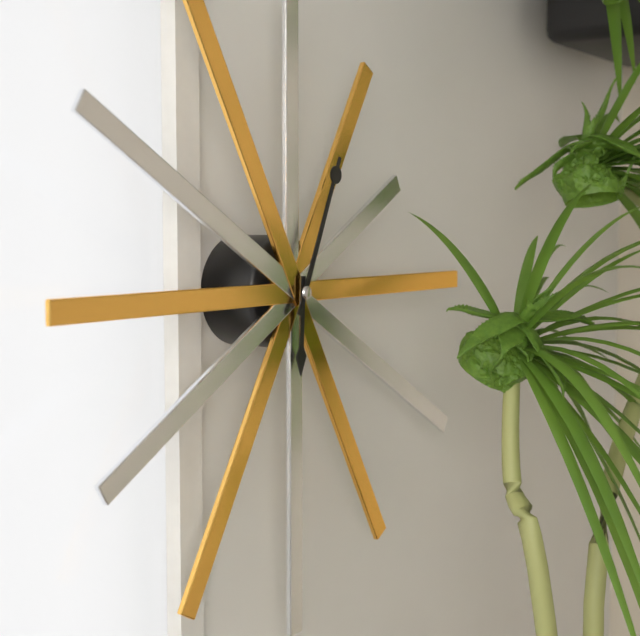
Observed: 6 h 04 min
